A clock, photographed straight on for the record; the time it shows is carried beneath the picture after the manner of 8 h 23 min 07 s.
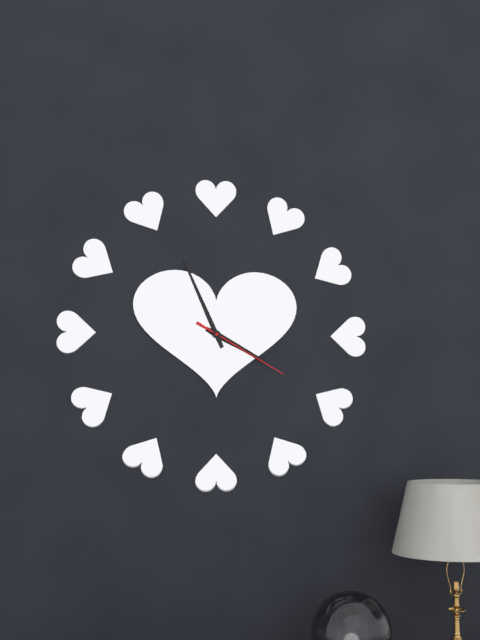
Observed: 3 h 56 min 20 s
